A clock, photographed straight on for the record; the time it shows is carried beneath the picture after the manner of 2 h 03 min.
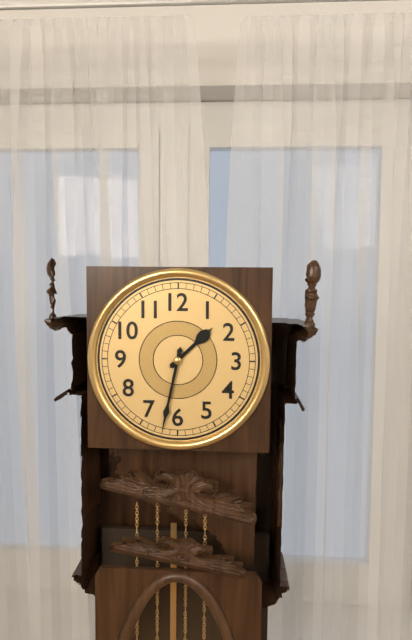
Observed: 1 h 32 min
